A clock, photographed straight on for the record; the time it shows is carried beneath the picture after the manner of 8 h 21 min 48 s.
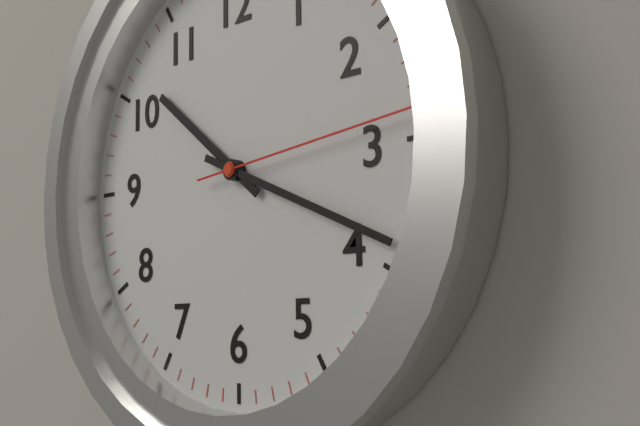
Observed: 10 h 19 min 14 s
